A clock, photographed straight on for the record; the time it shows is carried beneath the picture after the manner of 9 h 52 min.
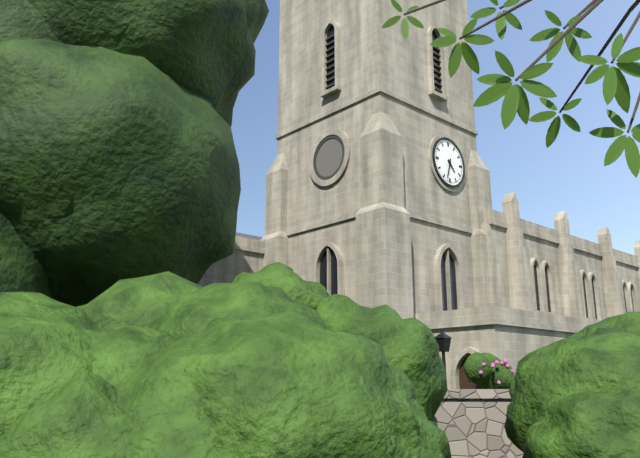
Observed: 4 h 33 min
